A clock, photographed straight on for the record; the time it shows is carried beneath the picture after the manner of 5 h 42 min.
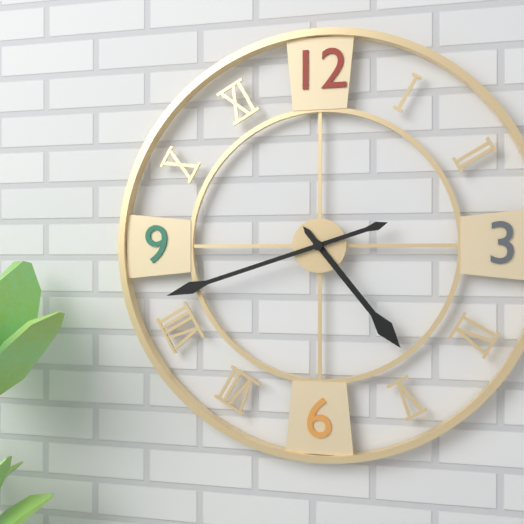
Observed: 4 h 42 min
